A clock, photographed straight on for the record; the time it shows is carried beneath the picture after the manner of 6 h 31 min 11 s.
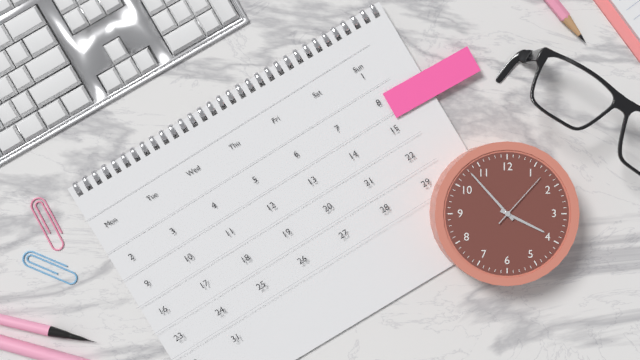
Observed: 3 h 53 min 07 s
